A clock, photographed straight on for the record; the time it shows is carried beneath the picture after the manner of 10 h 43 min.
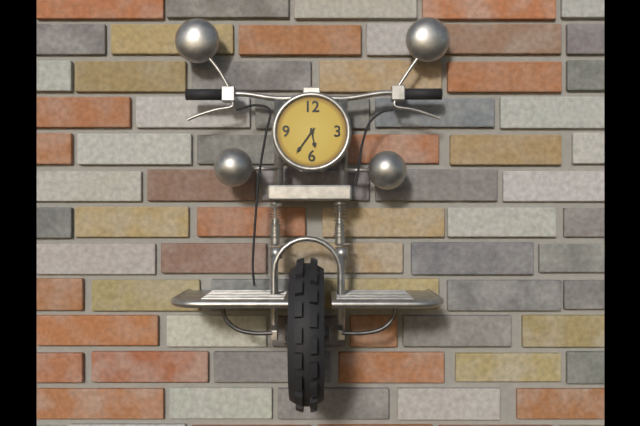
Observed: 5 h 36 min
